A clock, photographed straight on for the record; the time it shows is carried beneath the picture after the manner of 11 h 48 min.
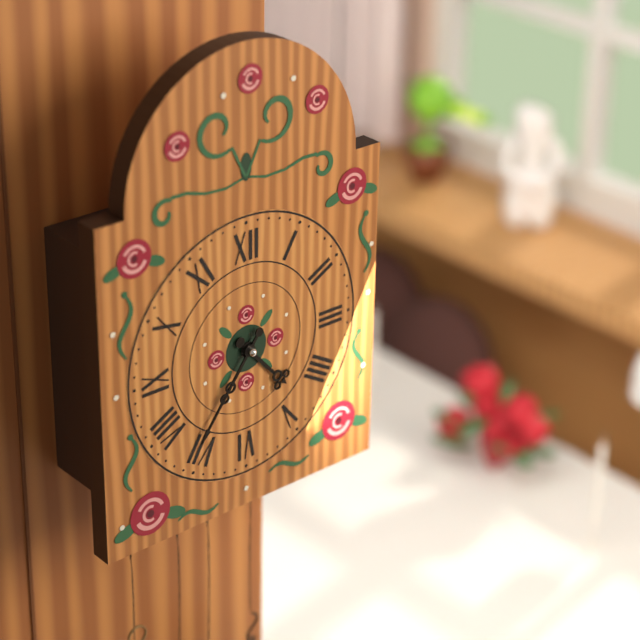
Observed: 4 h 36 min
